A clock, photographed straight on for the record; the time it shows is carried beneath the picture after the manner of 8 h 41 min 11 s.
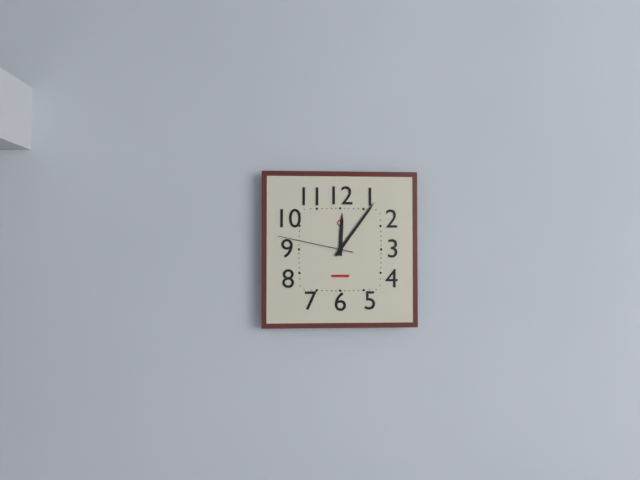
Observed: 12 h 06 min 47 s
